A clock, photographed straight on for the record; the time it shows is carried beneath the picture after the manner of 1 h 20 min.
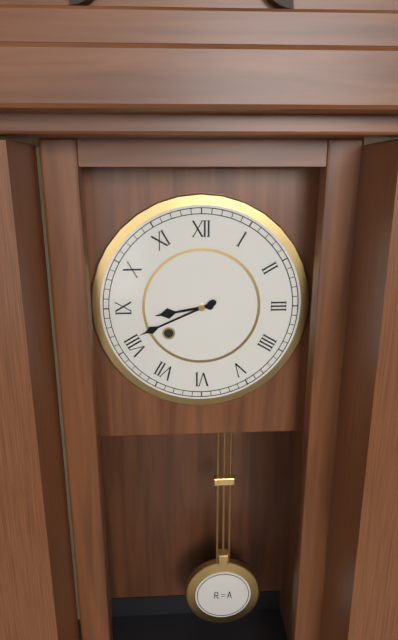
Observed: 8 h 41 min
